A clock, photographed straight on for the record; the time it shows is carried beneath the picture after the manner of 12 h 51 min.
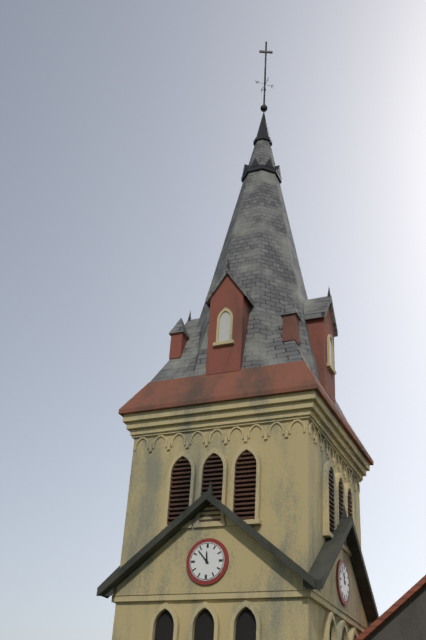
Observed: 11 h 53 min
